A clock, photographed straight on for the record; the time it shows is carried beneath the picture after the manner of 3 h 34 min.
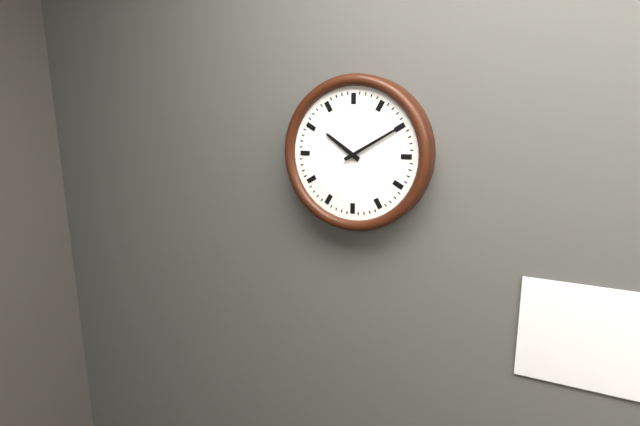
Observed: 10 h 10 min
